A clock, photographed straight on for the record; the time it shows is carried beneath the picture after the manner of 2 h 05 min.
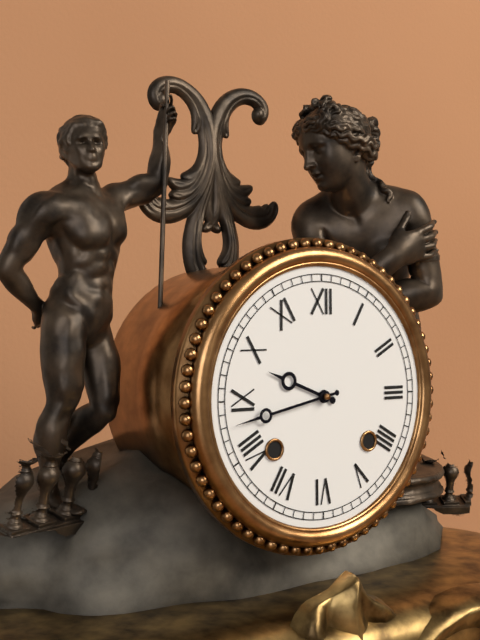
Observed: 9 h 43 min
